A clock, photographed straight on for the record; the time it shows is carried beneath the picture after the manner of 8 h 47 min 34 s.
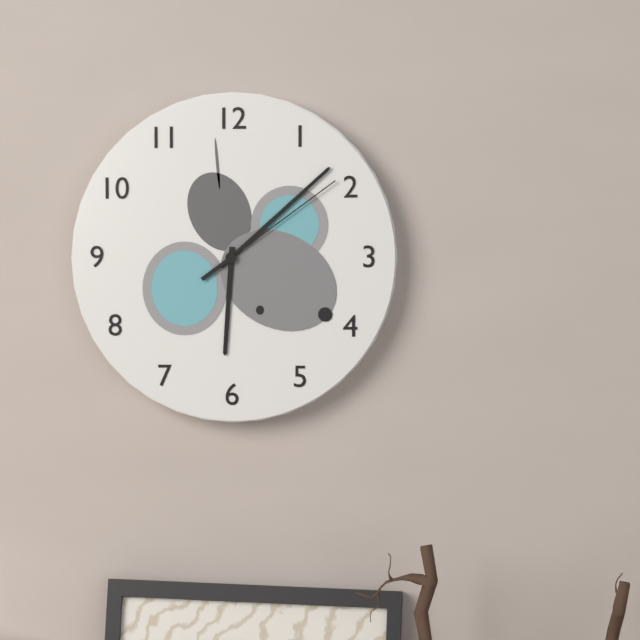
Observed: 6 h 08 min 09 s
